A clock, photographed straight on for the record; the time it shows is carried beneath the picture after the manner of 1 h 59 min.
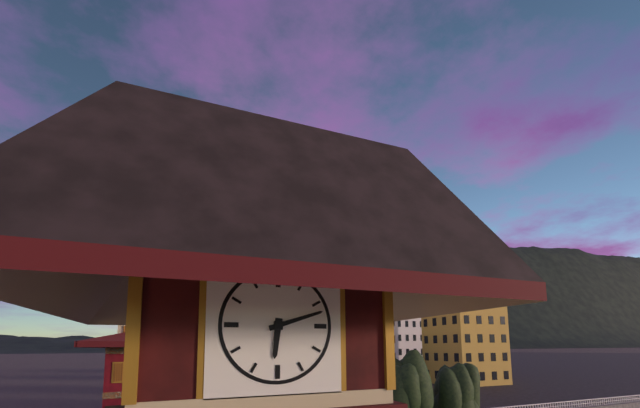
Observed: 6 h 12 min
